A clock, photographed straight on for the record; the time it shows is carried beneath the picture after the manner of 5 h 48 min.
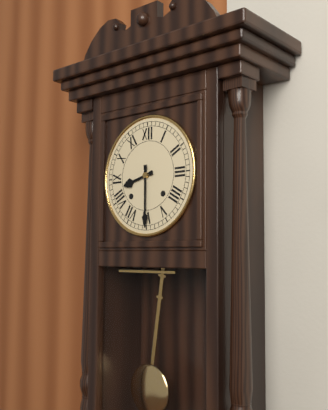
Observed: 8 h 30 min
